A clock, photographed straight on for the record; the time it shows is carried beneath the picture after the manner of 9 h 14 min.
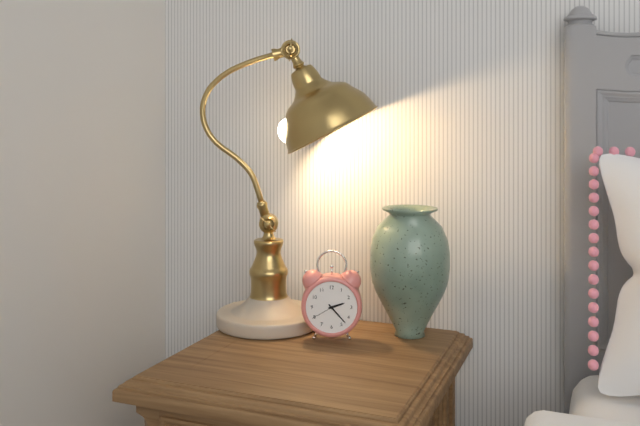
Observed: 2 h 23 min
